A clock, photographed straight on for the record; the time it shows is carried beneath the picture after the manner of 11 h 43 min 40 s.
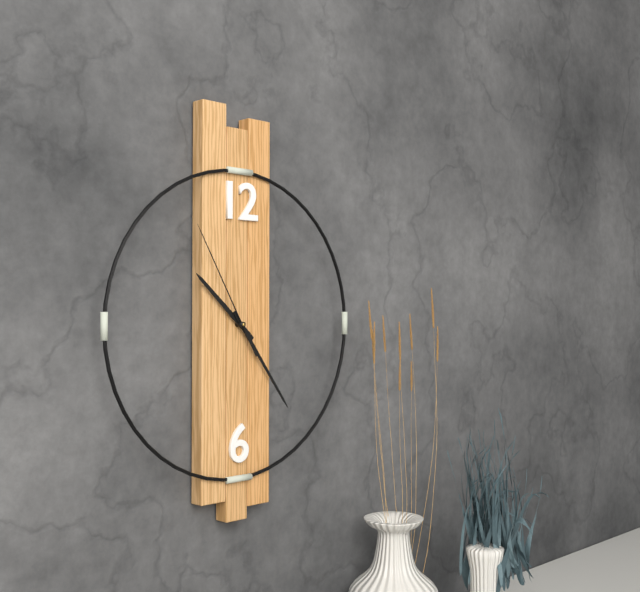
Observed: 10 h 24 min 55 s
